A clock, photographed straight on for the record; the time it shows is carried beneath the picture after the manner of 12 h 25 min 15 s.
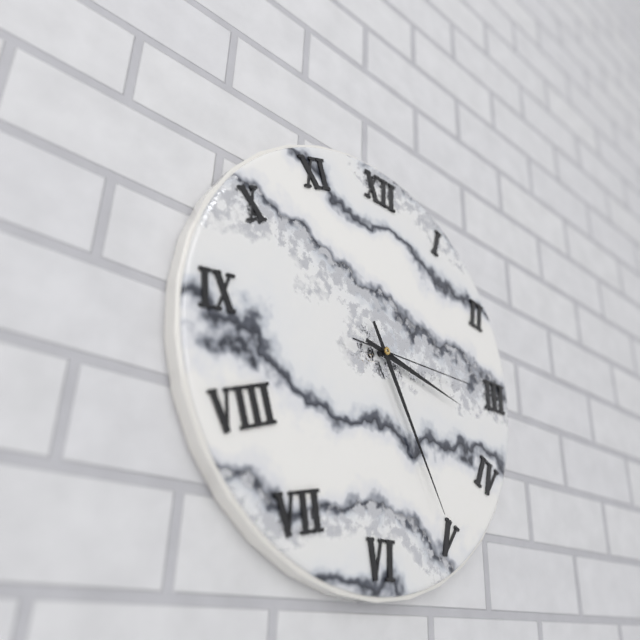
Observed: 3 h 25 min 15 s
